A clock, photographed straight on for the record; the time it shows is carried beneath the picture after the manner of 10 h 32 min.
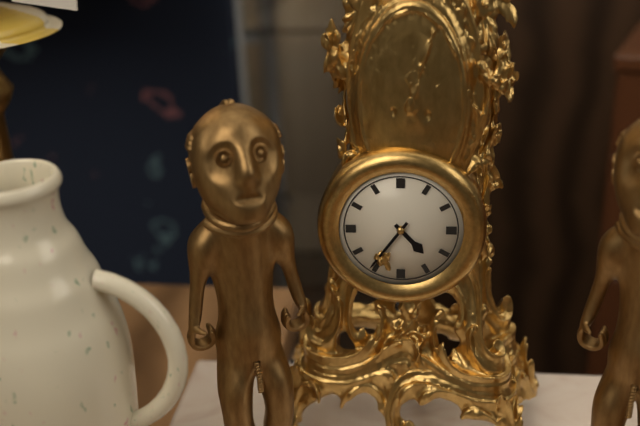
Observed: 4 h 36 min
